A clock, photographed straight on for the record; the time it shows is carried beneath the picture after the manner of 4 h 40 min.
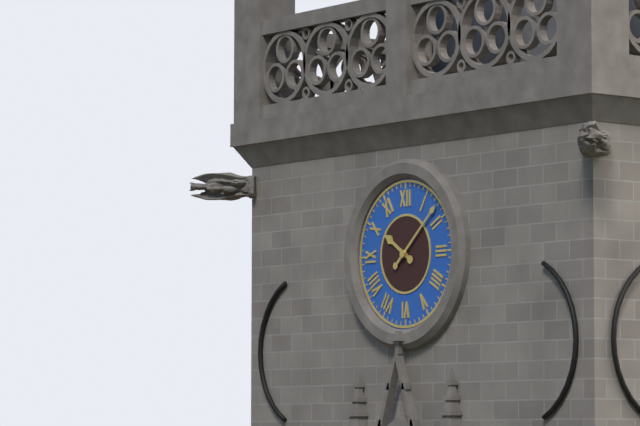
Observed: 10 h 08 min
